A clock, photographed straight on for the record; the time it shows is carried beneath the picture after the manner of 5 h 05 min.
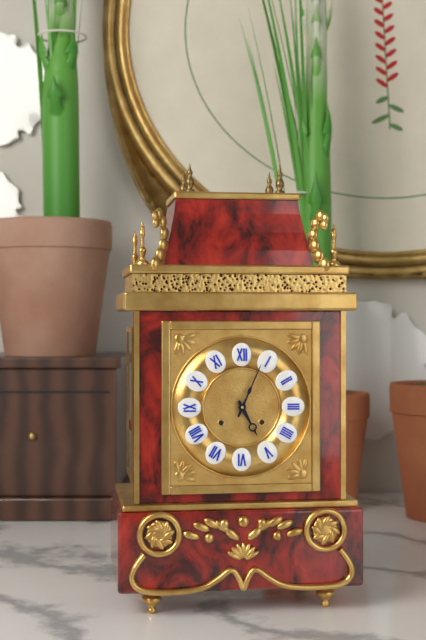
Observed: 5 h 04 min
